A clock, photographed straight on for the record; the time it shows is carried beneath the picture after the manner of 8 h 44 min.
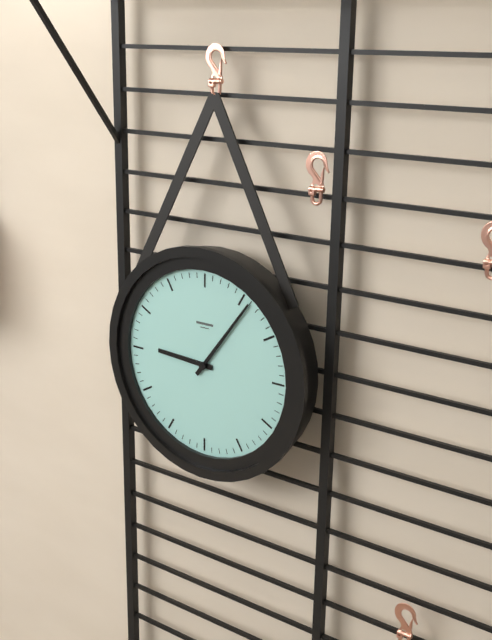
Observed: 9 h 06 min
